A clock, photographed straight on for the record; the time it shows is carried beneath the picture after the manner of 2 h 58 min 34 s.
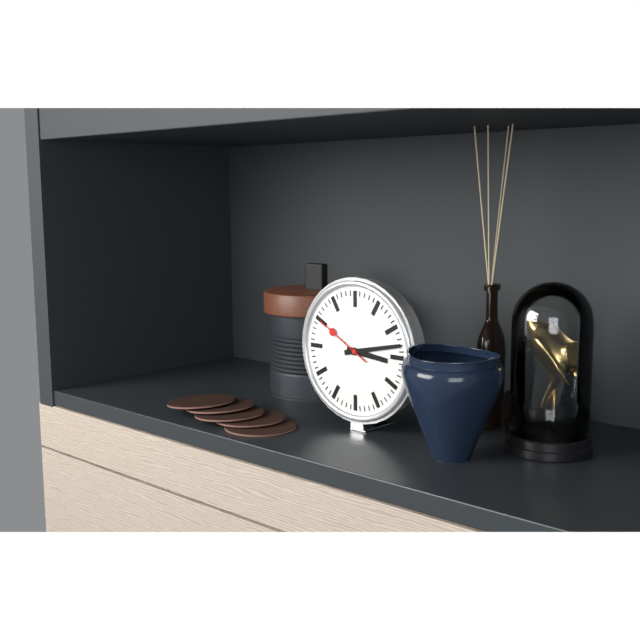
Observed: 3 h 13 min 50 s
